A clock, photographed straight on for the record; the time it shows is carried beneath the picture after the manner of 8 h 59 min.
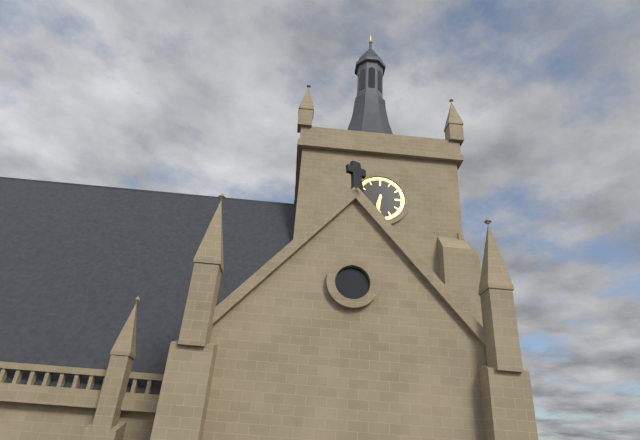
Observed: 6 h 31 min
